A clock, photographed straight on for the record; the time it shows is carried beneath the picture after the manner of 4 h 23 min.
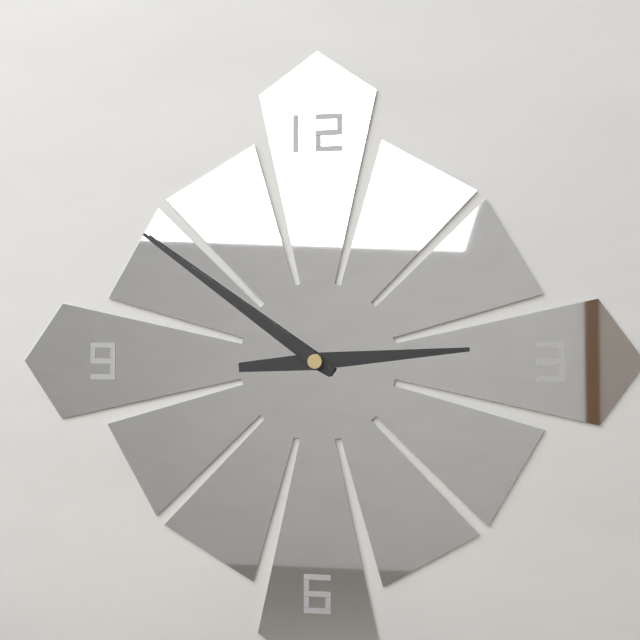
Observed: 2 h 51 min
